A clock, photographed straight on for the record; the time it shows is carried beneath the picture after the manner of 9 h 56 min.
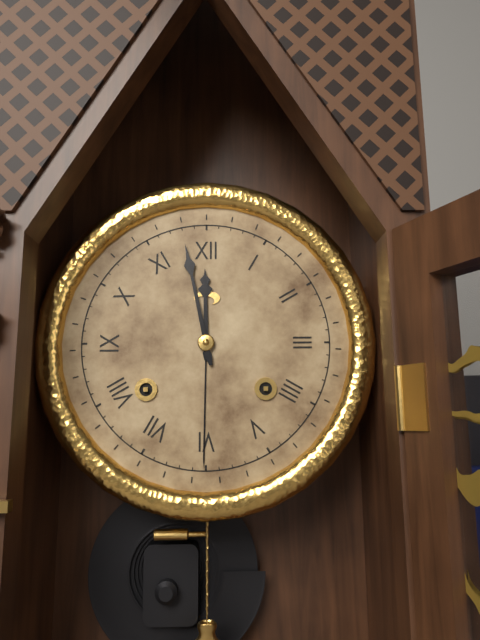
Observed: 11 h 58 min
